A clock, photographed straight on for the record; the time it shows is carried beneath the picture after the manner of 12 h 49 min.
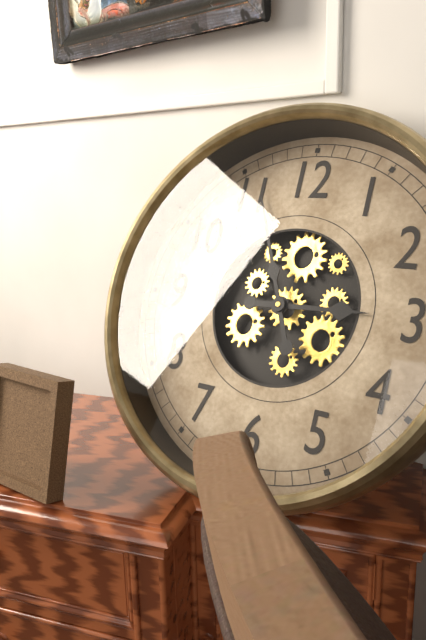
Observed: 2 h 56 min
